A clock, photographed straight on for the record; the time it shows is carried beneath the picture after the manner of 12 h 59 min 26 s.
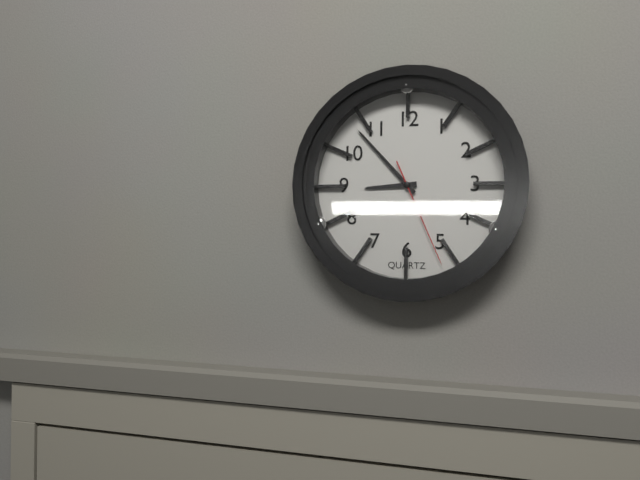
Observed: 8 h 53 min 26 s
